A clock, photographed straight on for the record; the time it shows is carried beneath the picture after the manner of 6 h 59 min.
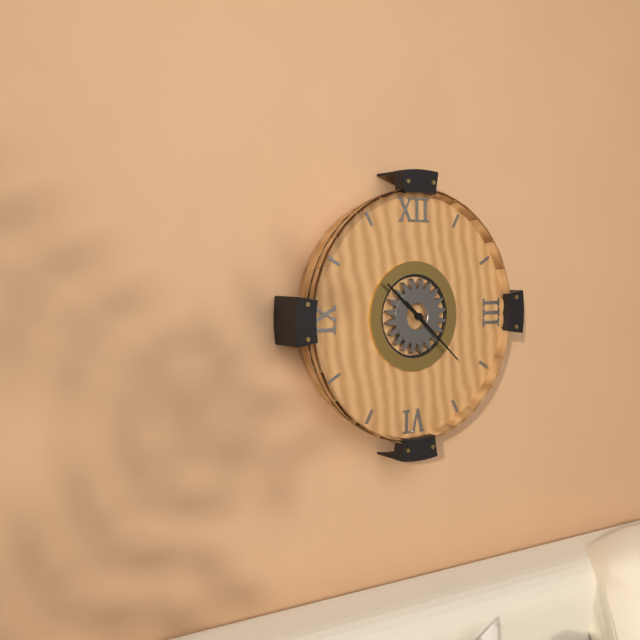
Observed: 10 h 22 min
